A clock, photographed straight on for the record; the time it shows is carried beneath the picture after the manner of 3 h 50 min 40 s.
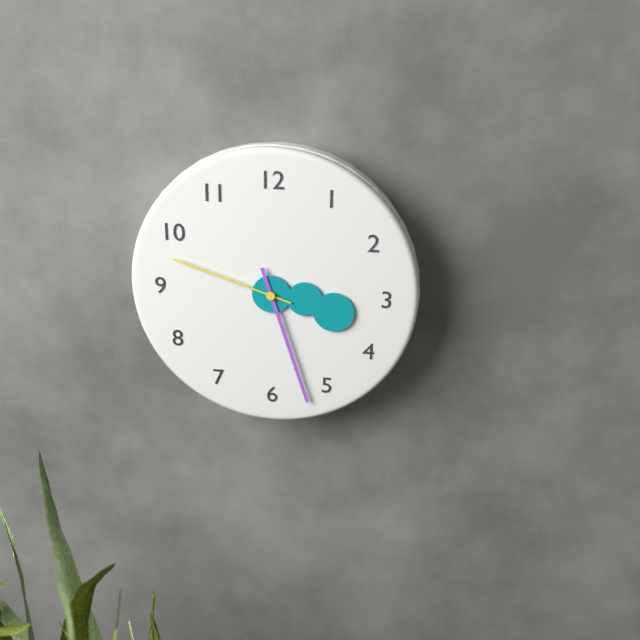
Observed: 3 h 27 min 48 s
